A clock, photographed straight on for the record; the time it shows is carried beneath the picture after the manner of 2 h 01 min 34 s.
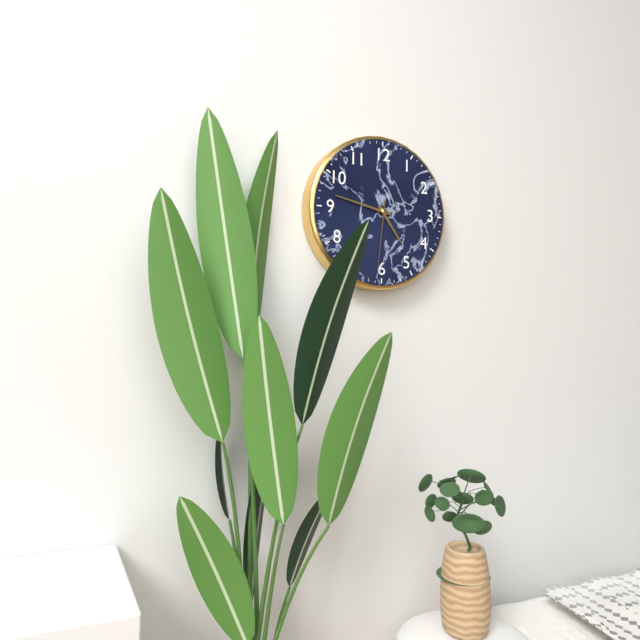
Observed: 4 h 47 min 31 s
